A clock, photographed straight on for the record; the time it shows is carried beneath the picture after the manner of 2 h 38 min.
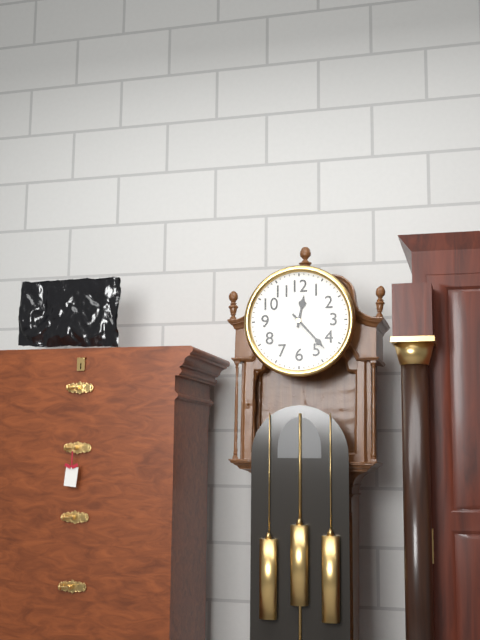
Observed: 12 h 23 min
